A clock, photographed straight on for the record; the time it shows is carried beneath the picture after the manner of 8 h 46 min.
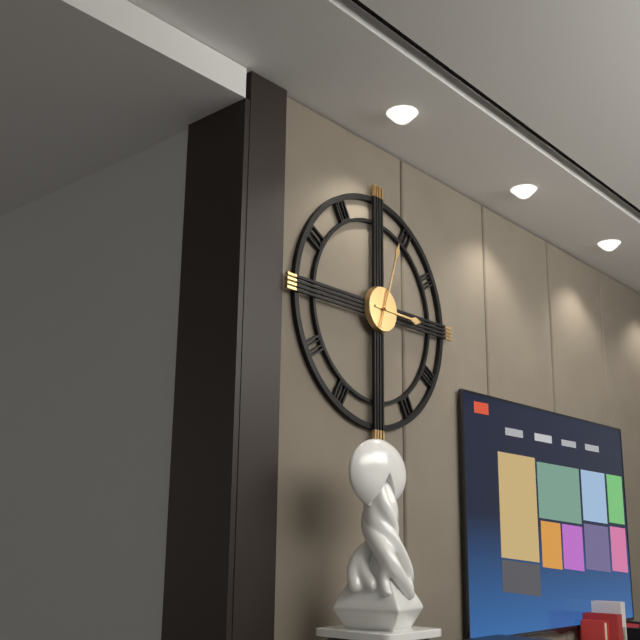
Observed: 3 h 03 min
